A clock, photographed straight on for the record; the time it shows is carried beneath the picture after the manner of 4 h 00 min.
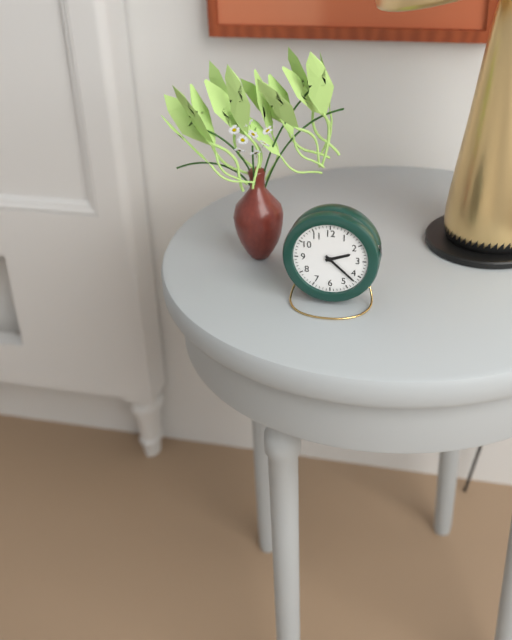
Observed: 2 h 22 min
